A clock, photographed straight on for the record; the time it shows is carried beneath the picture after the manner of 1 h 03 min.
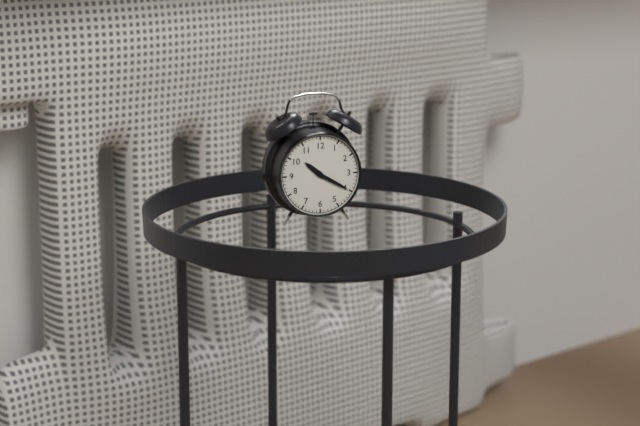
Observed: 10 h 20 min
